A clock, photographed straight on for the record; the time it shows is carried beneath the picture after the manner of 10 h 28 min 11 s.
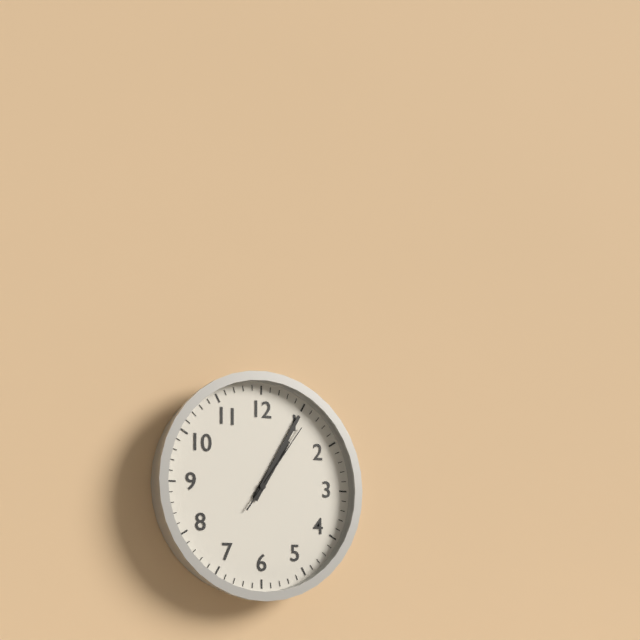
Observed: 1 h 05 min 06 s
